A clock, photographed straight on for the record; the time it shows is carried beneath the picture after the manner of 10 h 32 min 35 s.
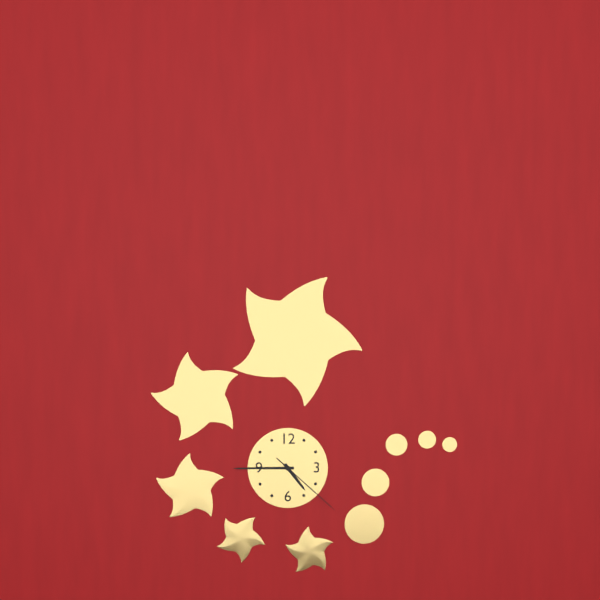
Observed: 4 h 45 min 22 s
